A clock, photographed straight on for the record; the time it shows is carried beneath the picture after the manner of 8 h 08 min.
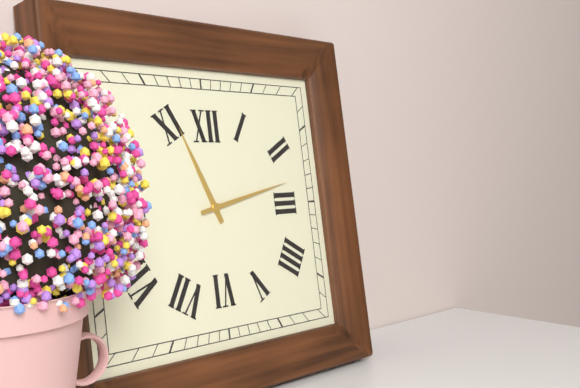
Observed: 11 h 13 min
